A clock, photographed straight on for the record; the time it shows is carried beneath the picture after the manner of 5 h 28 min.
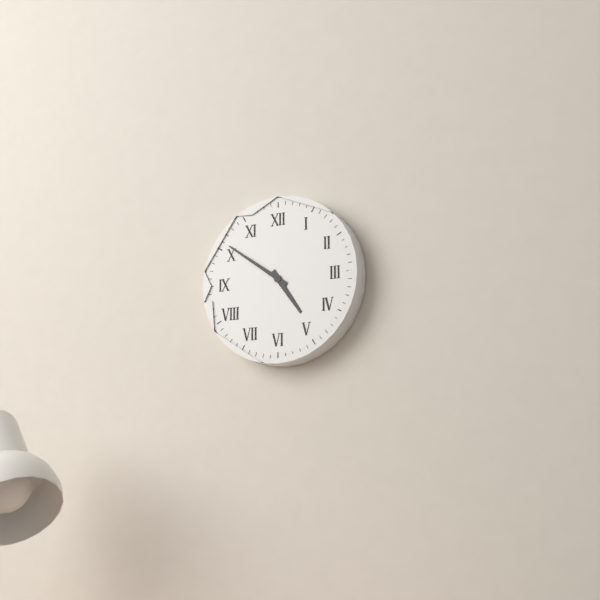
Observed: 4 h 51 min
